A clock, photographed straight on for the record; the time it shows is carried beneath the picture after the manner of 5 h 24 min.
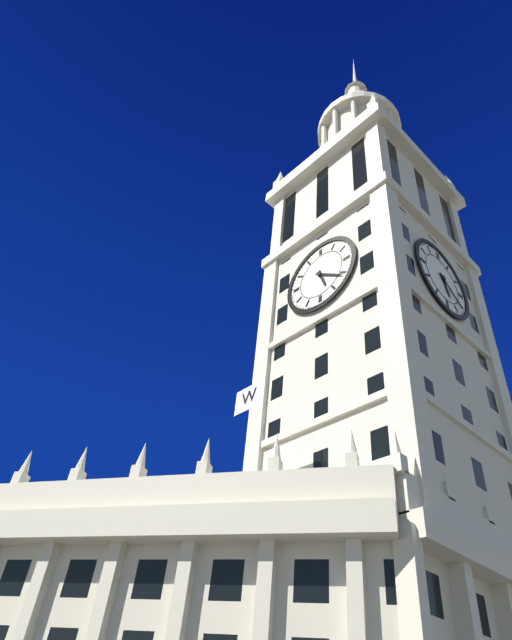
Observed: 5 h 21 min
